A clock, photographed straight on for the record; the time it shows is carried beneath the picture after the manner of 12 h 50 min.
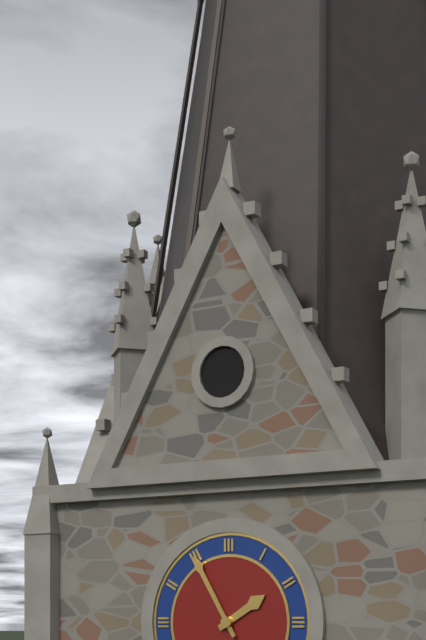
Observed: 1 h 55 min
